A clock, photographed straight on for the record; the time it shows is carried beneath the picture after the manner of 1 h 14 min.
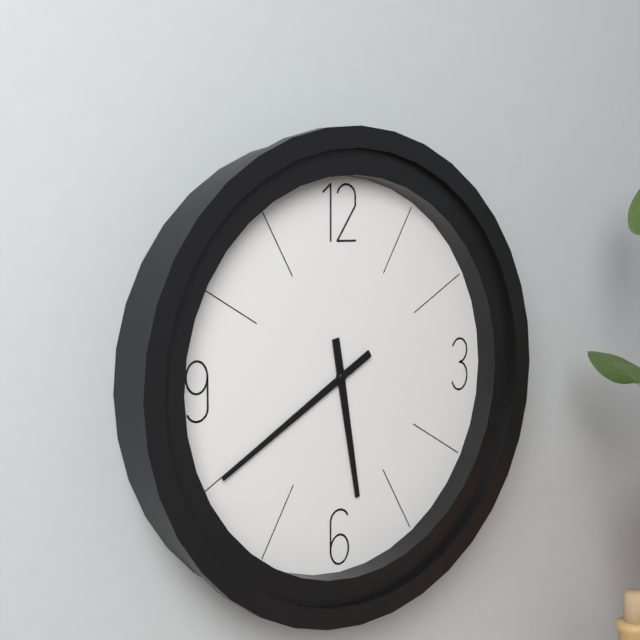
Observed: 5 h 40 min
